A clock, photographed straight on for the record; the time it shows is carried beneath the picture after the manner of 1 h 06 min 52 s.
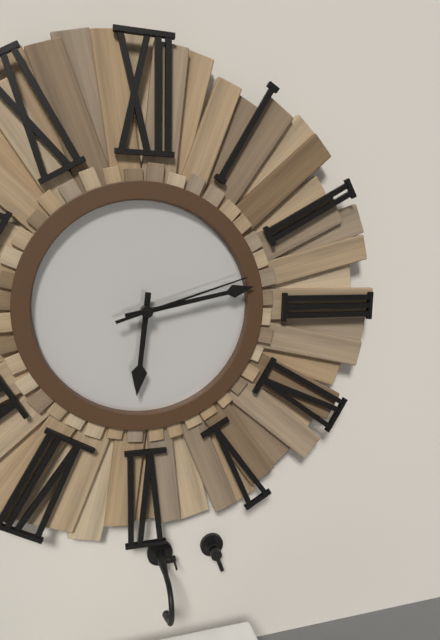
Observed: 6 h 13 min 12 s
